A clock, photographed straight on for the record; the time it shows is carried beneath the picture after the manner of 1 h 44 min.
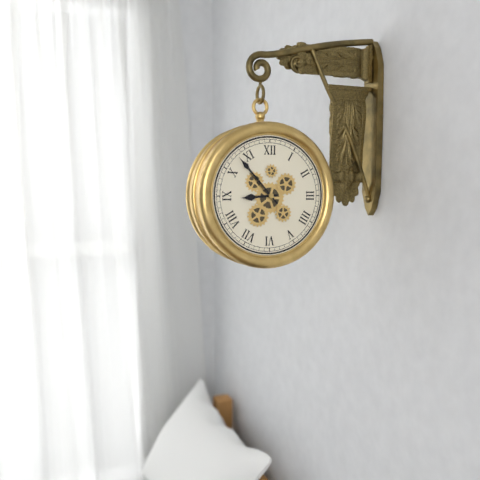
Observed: 8 h 53 min
